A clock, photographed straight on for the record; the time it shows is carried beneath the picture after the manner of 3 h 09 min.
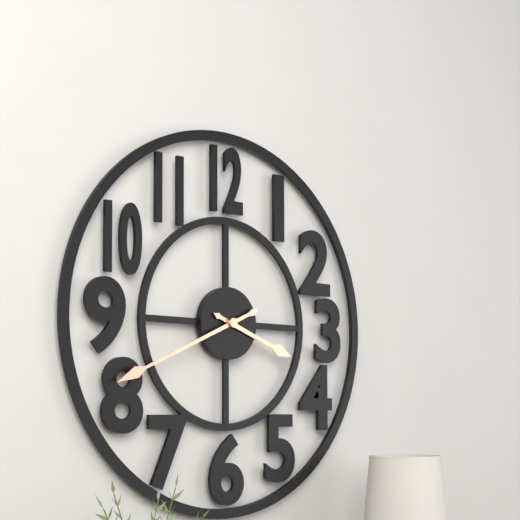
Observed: 3 h 41 min
